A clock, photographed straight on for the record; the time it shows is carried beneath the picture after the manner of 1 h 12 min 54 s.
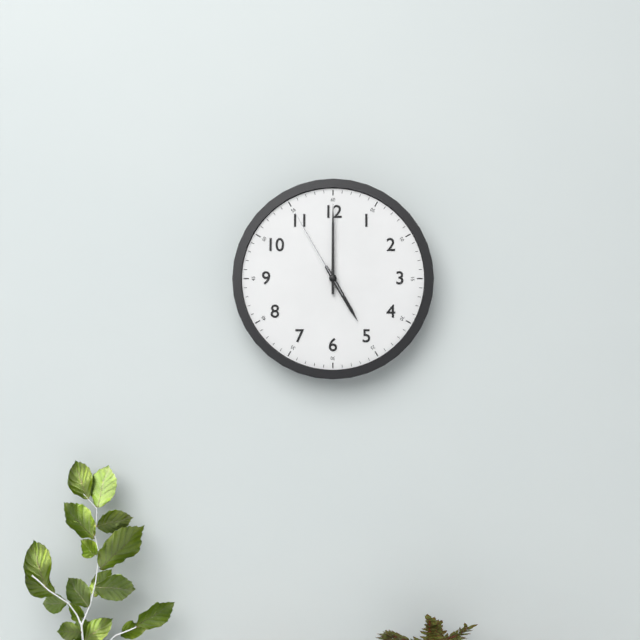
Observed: 5 h 00 min 55 s
